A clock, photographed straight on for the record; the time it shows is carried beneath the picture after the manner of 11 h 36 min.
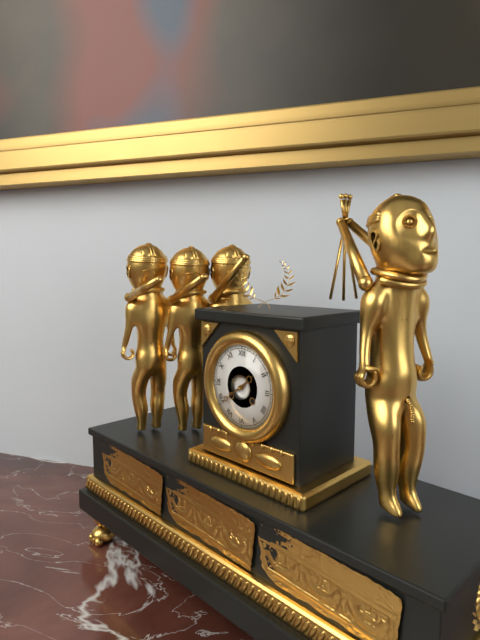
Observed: 1 h 39 min
